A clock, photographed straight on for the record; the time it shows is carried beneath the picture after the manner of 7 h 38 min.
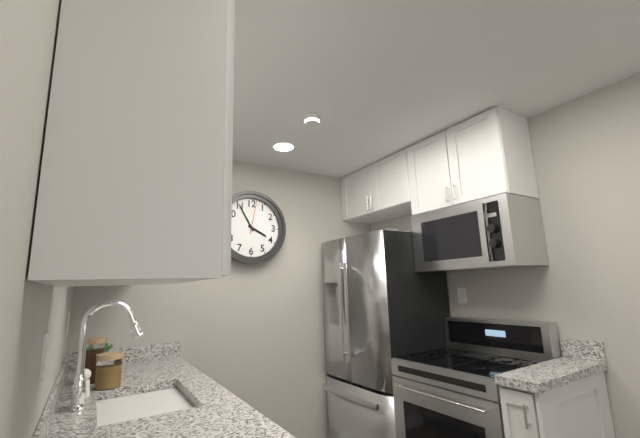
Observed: 3 h 55 min
